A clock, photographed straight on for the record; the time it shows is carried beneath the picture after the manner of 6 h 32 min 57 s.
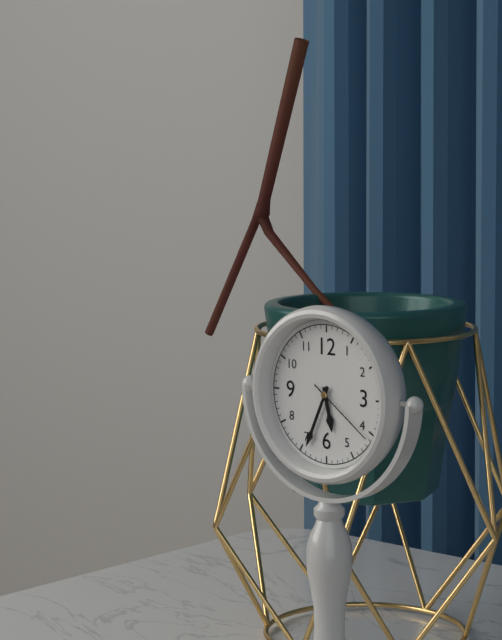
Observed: 5 h 34 min 21 s
